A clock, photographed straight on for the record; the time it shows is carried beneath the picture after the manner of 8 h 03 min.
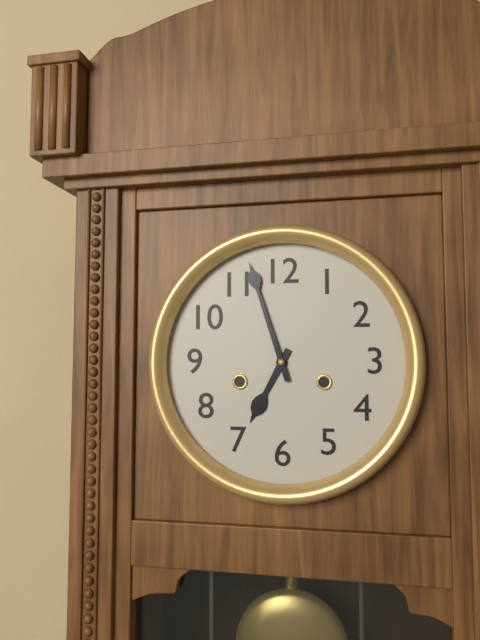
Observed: 6 h 57 min
